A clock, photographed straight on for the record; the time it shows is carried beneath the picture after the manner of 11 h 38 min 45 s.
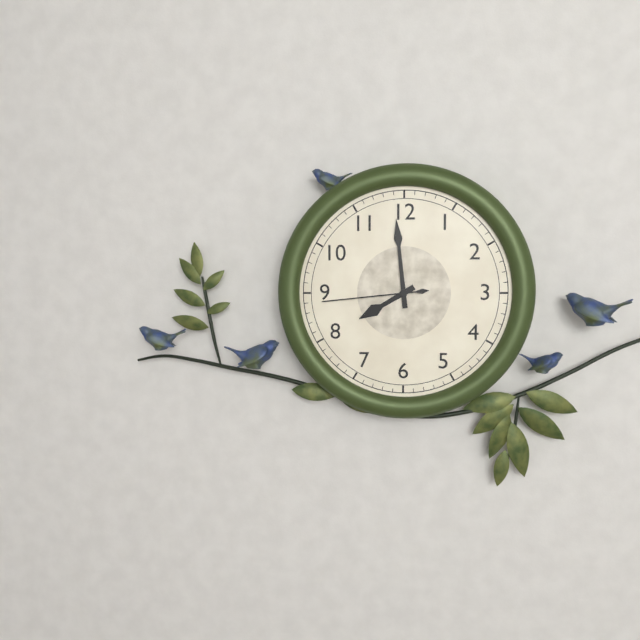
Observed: 7 h 59 min 44 s
